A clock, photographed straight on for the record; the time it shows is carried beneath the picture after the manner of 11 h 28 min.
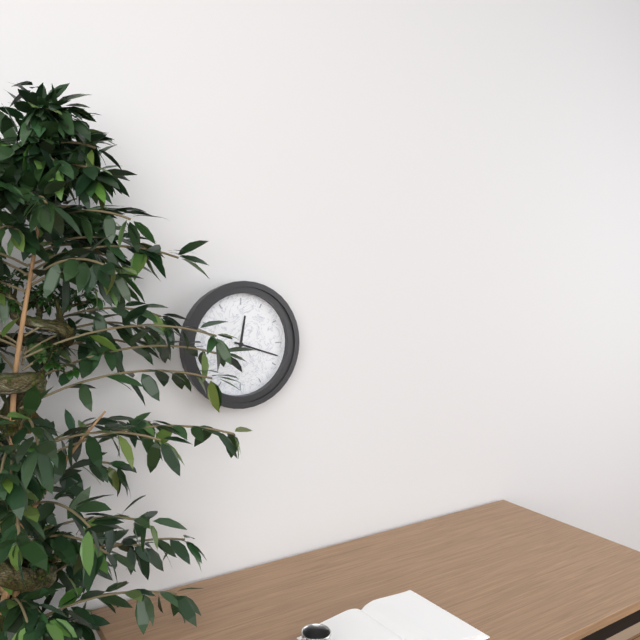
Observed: 12 h 18 min
